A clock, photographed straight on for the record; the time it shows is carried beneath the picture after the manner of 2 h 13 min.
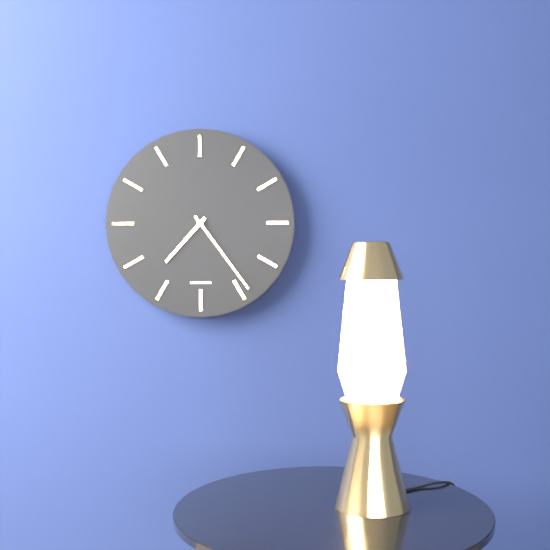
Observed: 7 h 24 min
